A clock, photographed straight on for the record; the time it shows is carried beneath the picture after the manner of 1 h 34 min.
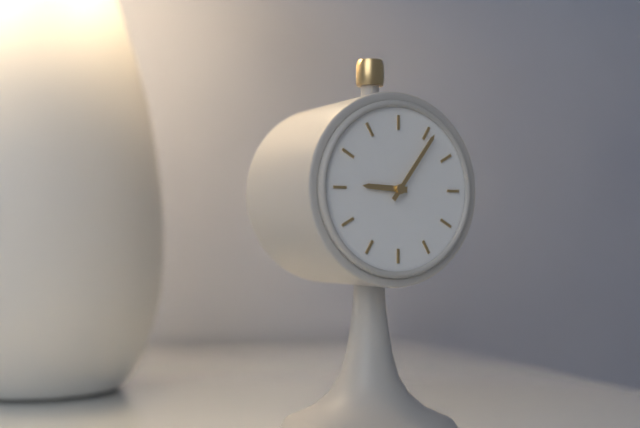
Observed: 9 h 06 min
